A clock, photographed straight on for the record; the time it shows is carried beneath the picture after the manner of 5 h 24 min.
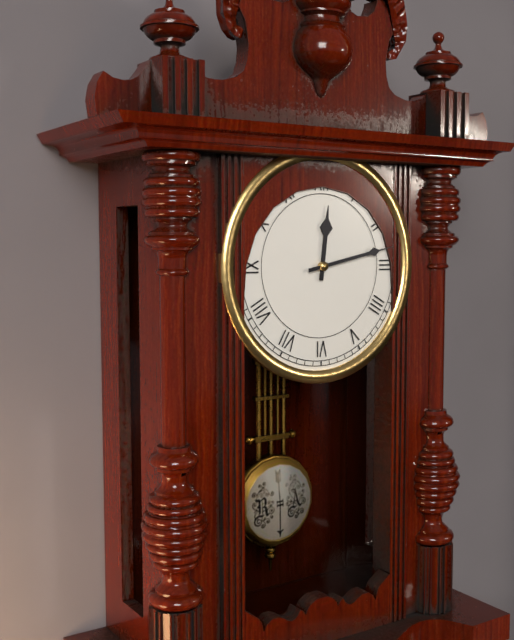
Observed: 12 h 13 min
